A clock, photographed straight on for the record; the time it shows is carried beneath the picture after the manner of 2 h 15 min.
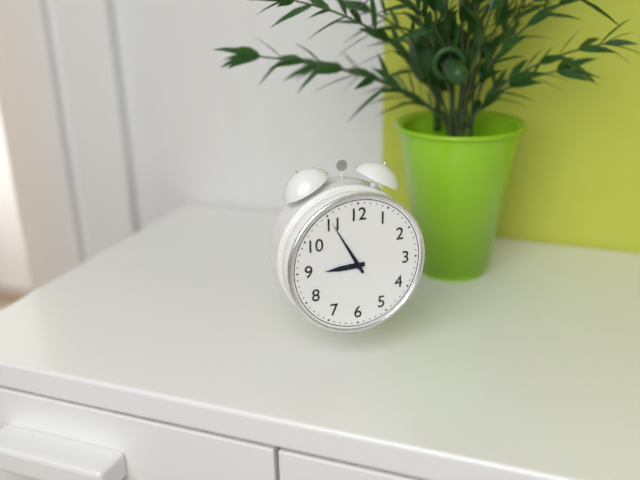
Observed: 8 h 55 min
